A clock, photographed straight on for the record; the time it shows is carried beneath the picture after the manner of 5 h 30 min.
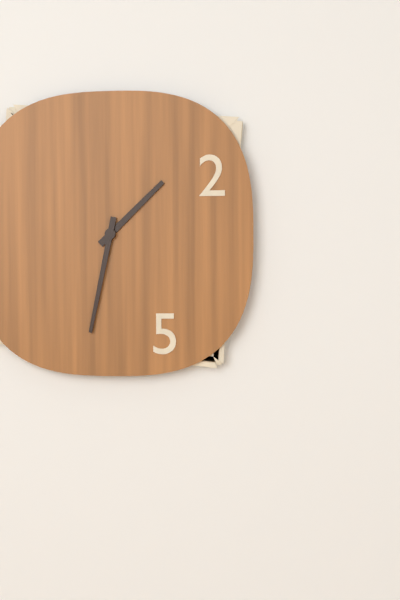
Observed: 1 h 32 min
